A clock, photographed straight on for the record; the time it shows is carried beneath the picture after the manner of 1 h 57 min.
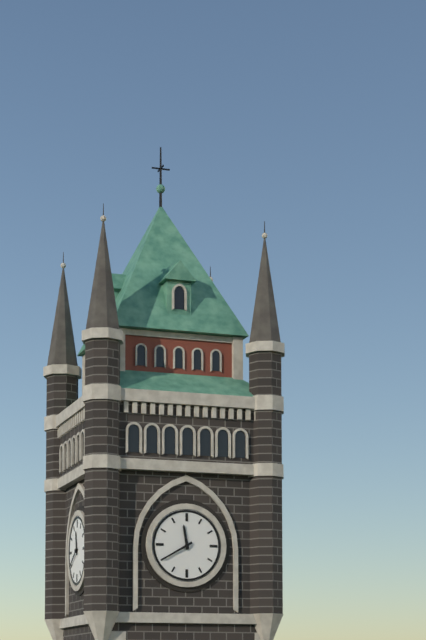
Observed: 11 h 40 min
